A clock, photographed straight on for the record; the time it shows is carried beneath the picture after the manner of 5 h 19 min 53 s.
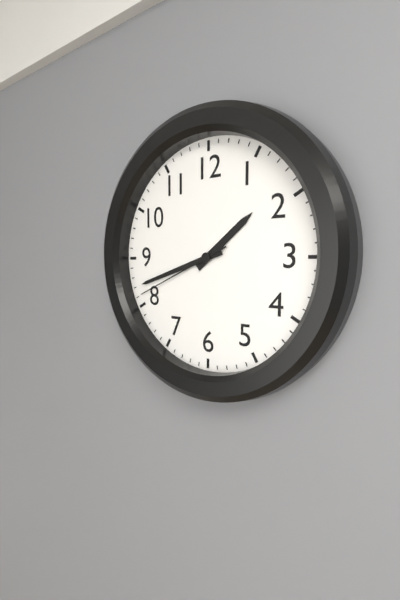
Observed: 1 h 42 min 41 s
